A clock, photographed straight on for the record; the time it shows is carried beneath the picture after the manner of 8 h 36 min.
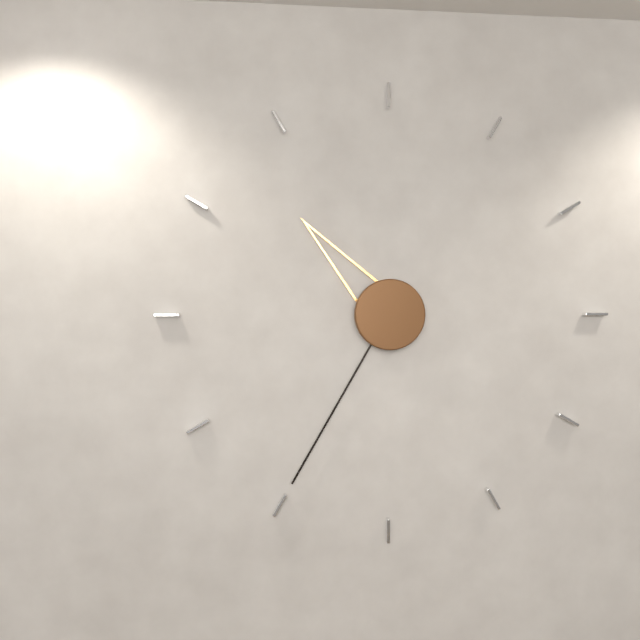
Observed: 10 h 35 min
